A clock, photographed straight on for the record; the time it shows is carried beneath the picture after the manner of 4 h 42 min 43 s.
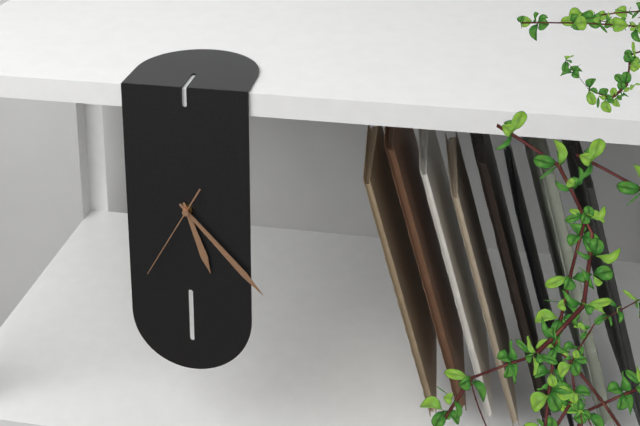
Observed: 5 h 23 min 35 s
